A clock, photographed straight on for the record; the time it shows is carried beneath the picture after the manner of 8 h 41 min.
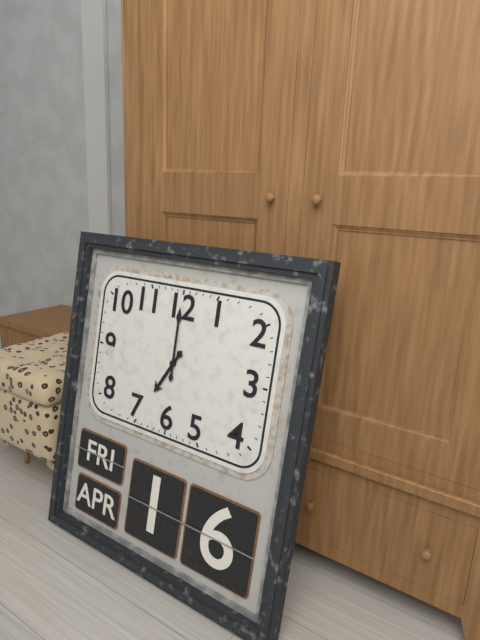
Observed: 7 h 00 min
